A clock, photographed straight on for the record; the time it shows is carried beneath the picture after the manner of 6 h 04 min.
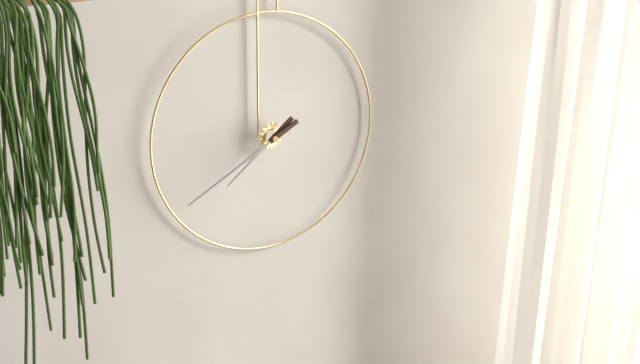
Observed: 7 h 40 min
